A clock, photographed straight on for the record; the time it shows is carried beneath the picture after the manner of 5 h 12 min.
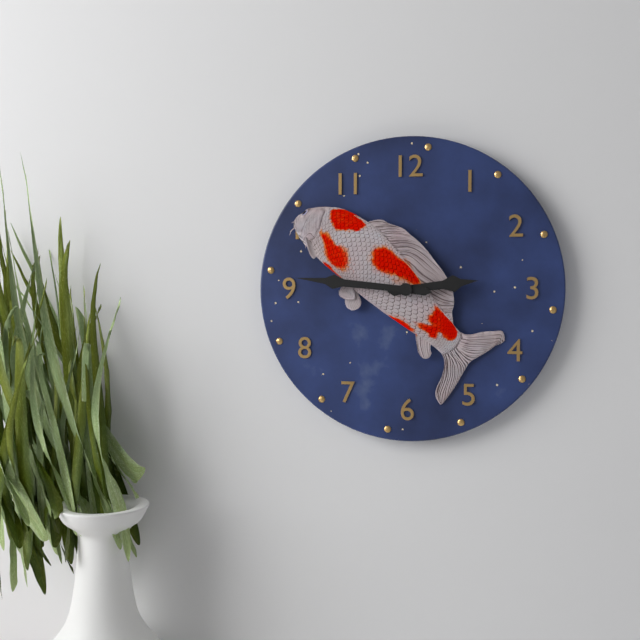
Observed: 2 h 46 min
